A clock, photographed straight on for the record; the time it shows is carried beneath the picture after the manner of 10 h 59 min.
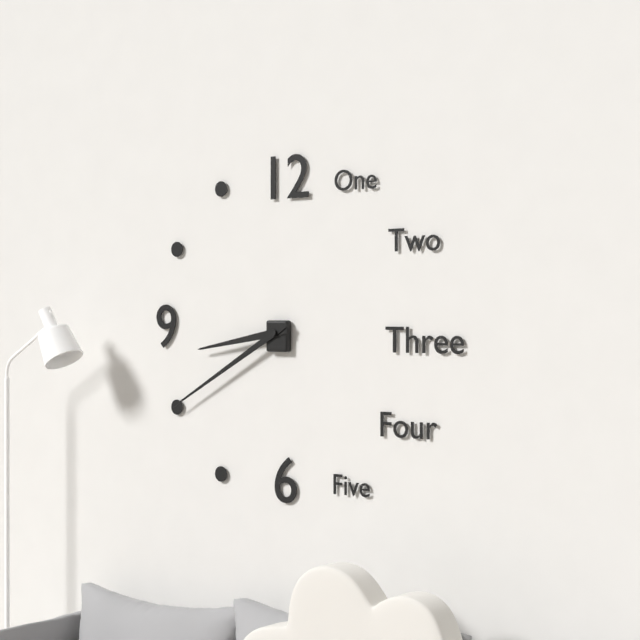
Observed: 8 h 40 min
